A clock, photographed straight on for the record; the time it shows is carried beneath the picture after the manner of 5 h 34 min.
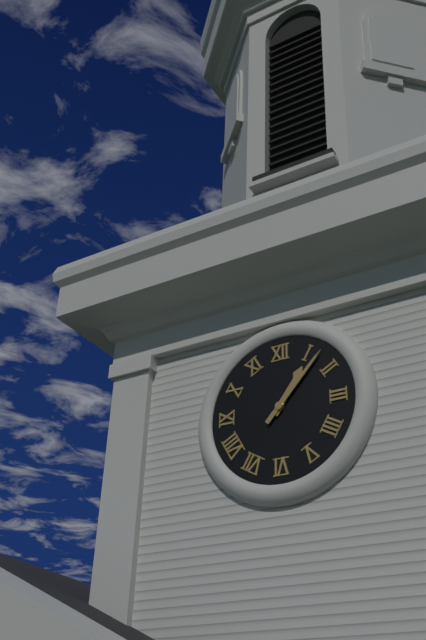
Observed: 1 h 07 min
